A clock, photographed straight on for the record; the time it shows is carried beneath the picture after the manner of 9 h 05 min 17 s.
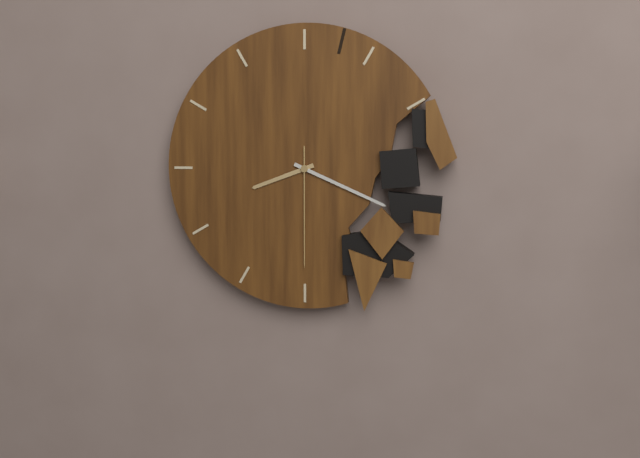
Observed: 8 h 19 min 30 s
